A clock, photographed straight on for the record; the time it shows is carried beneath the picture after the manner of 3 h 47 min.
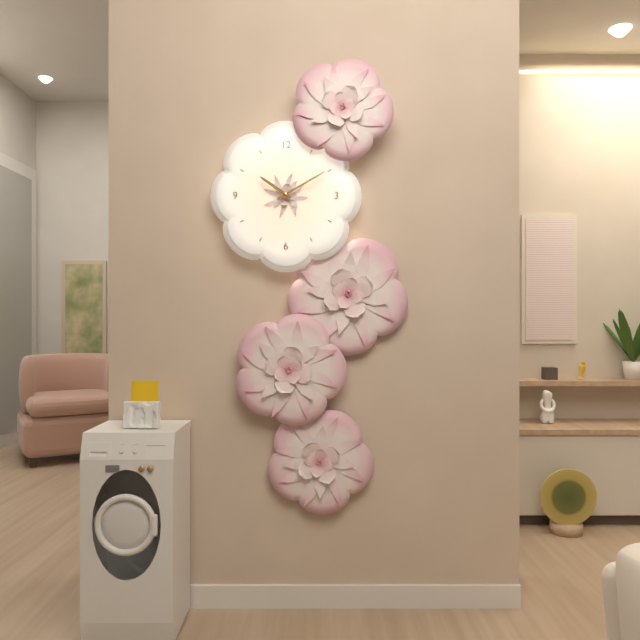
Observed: 10 h 10 min
